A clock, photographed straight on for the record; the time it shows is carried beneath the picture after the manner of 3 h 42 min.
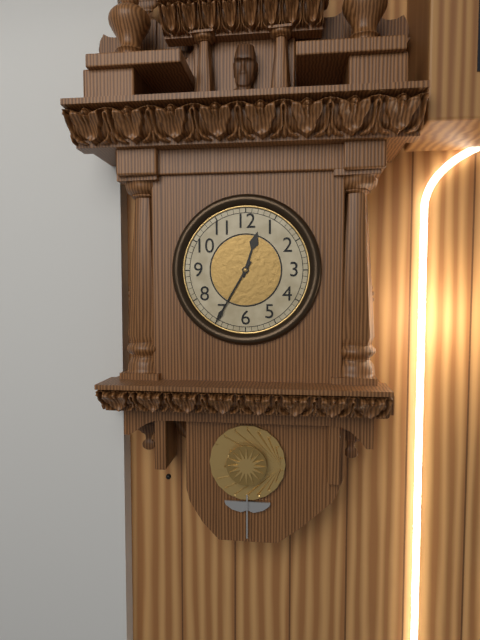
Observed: 12 h 35 min
